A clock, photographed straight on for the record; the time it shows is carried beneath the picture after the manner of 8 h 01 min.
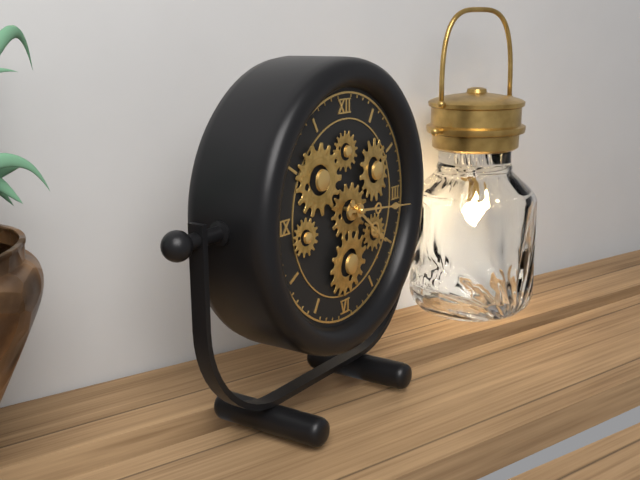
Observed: 4 h 16 min
